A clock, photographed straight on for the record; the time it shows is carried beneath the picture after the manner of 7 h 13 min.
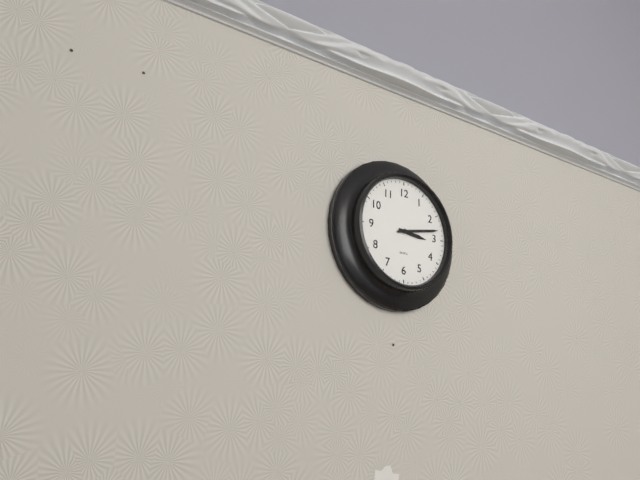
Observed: 3 h 13 min
